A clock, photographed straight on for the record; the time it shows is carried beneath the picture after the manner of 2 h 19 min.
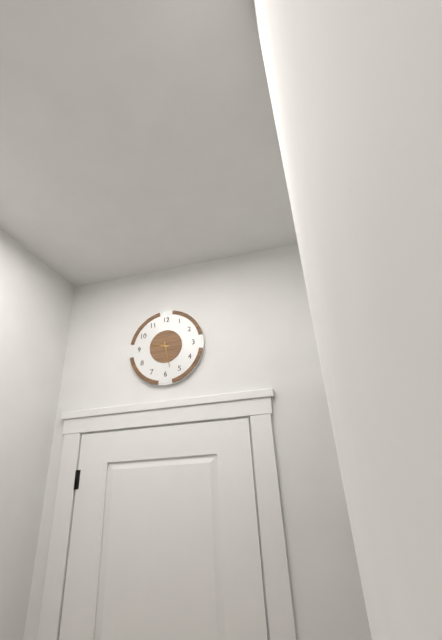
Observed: 9 h 28 min
